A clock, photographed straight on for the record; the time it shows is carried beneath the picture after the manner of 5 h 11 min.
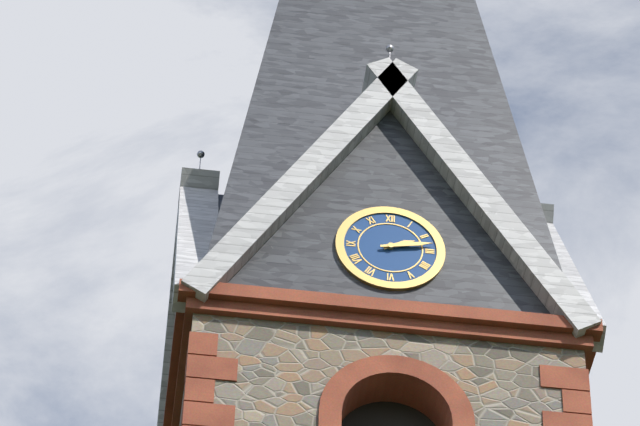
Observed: 2 h 13 min
